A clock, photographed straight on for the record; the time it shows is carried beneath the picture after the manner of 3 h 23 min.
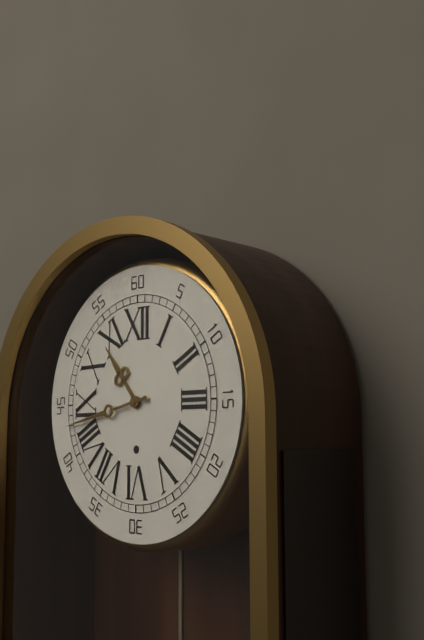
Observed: 10 h 43 min
